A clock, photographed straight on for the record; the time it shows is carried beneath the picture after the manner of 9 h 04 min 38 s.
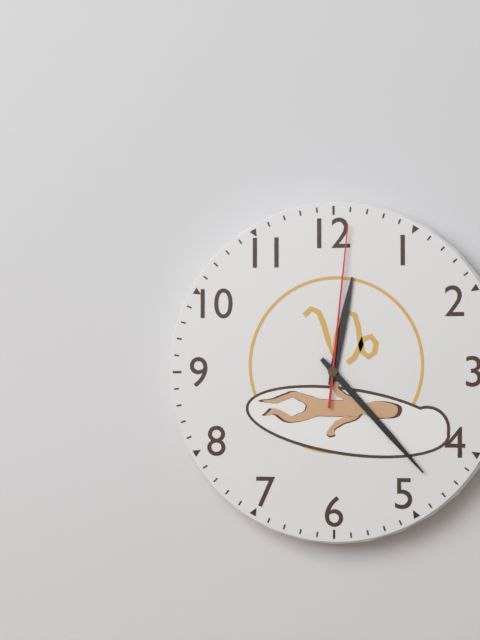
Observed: 12 h 23 min 01 s
